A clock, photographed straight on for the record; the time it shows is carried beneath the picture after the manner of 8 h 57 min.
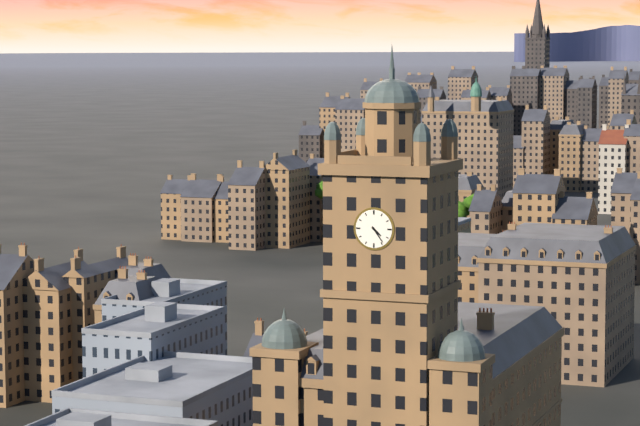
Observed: 4 h 24 min
